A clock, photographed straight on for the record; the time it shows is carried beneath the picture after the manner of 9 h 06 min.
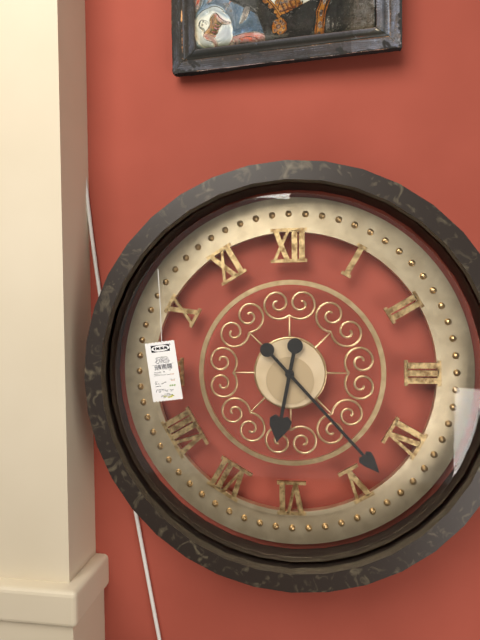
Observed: 6 h 23 min
